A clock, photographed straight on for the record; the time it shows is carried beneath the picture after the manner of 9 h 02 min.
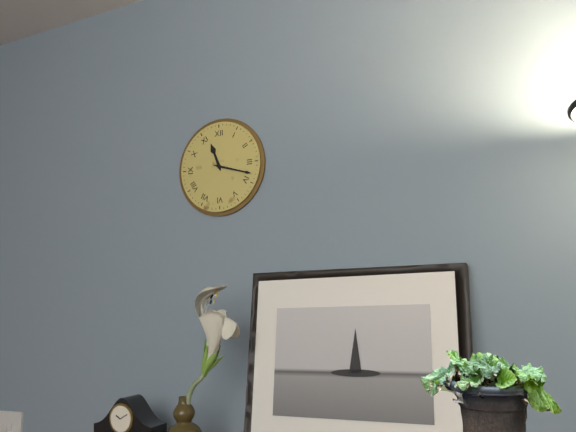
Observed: 11 h 18 min
